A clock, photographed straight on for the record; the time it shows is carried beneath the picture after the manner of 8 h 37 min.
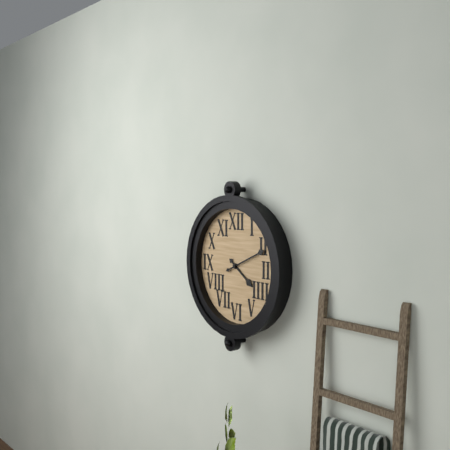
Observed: 4 h 11 min
